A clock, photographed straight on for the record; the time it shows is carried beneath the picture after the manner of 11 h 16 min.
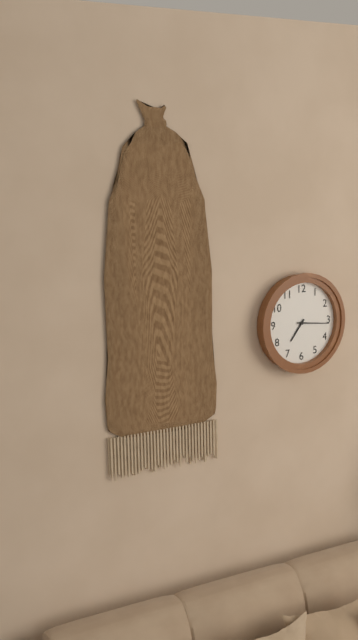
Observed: 7 h 16 min
